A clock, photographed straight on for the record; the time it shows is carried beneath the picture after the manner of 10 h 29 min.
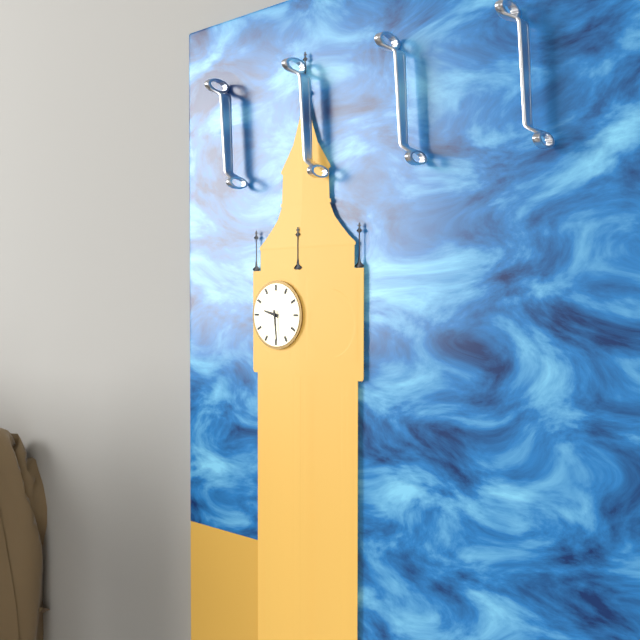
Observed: 9 h 29 min
